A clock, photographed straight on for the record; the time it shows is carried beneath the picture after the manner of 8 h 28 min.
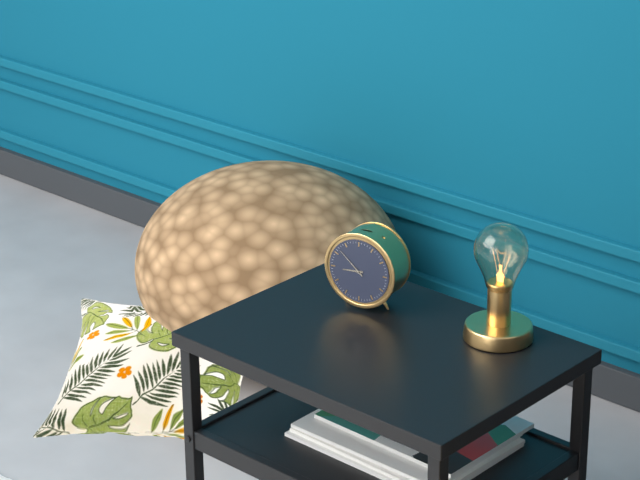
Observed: 8 h 52 min
